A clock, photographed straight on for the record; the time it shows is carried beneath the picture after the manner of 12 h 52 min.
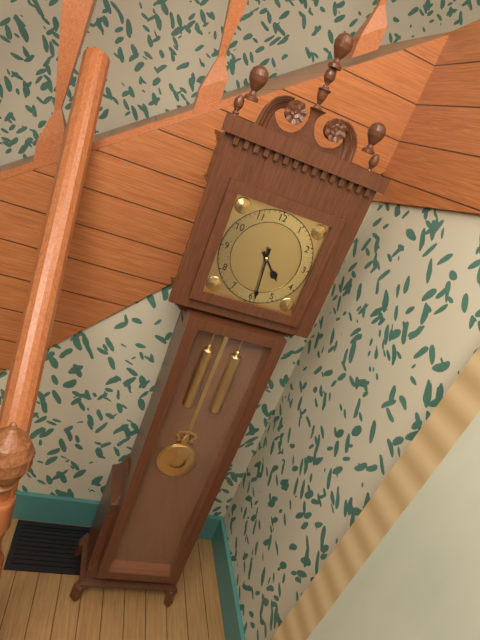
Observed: 4 h 29 min
